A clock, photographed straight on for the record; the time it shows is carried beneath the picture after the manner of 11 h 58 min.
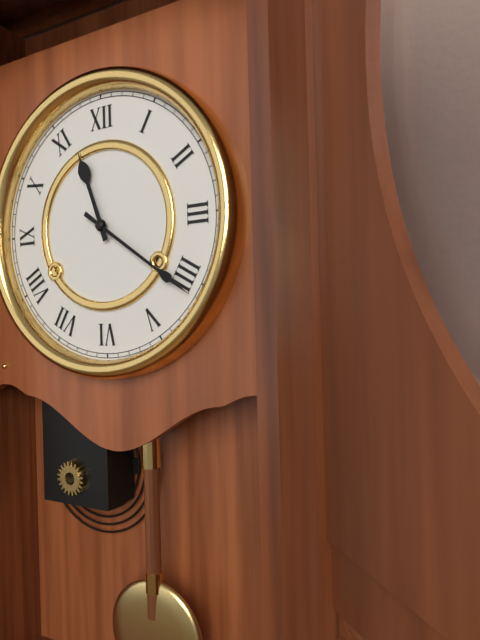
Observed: 11 h 21 min
